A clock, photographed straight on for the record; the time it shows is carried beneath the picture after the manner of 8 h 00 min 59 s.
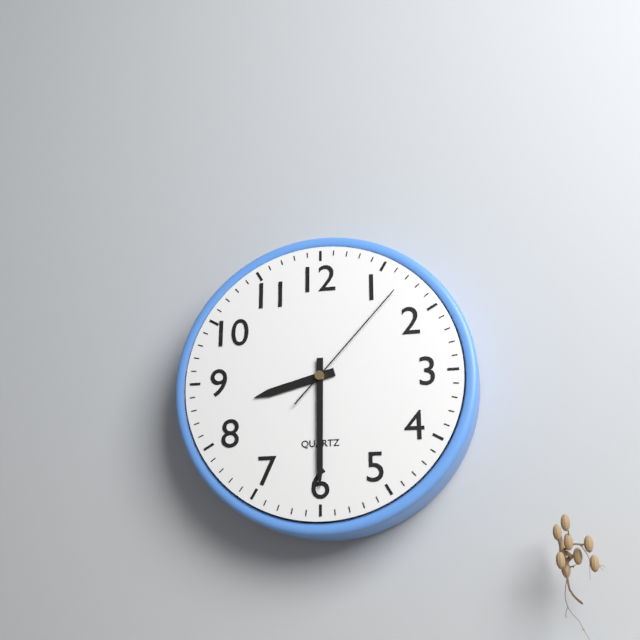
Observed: 8 h 30 min 07 s
